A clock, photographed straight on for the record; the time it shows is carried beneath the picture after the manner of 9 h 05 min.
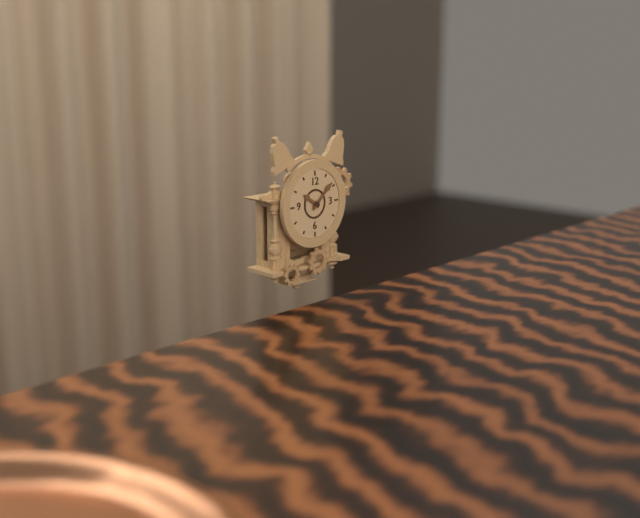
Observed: 10 h 08 min
